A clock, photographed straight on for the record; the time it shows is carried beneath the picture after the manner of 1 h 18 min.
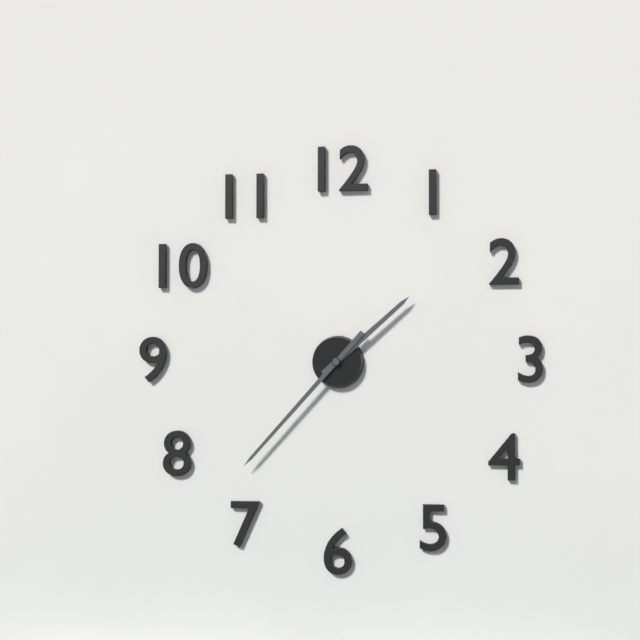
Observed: 1 h 37 min
